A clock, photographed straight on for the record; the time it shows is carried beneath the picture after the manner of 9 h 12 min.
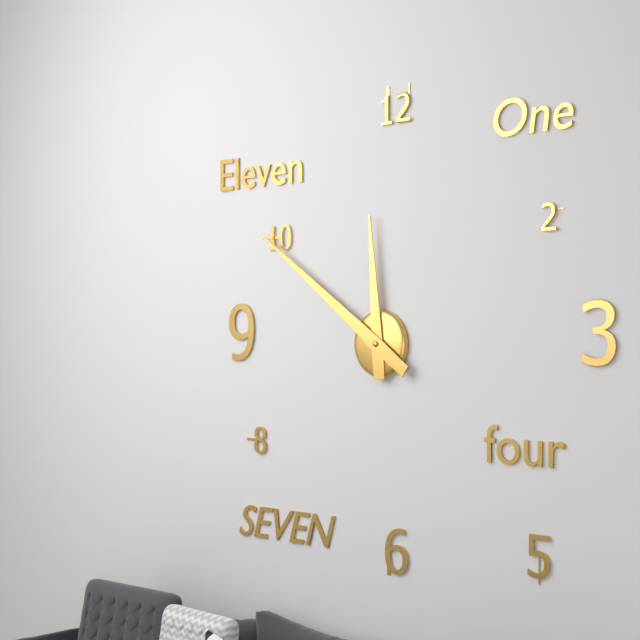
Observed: 11 h 51 min
